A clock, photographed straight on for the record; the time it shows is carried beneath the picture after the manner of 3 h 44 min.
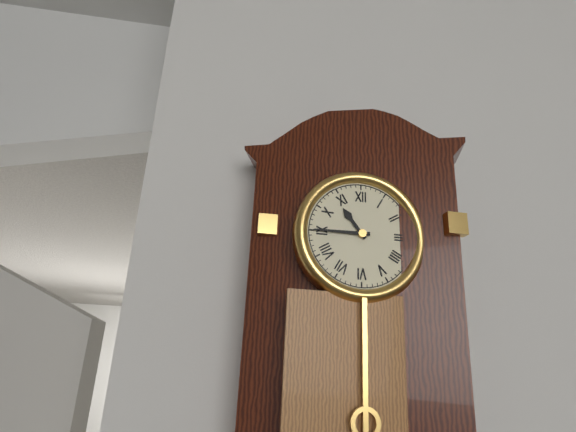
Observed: 10 h 45 min
